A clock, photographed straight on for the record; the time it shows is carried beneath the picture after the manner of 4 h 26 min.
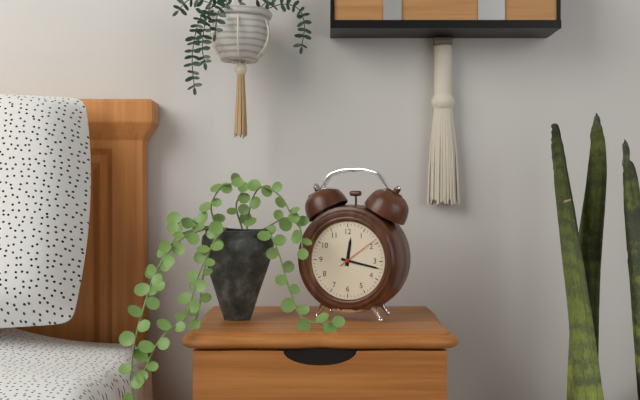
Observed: 12 h 17 min
